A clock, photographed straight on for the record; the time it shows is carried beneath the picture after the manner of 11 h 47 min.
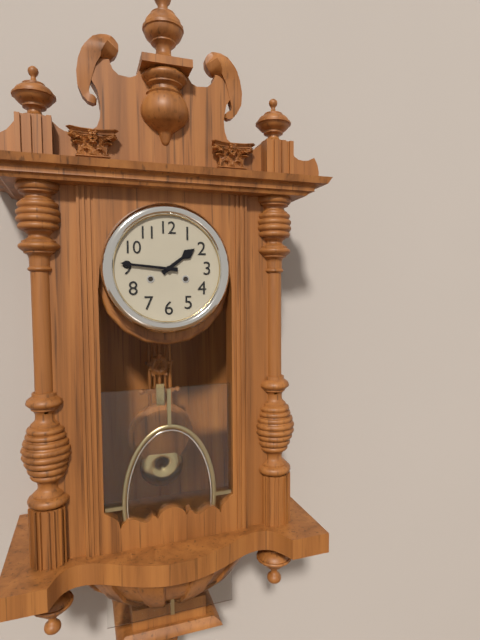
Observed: 1 h 46 min
